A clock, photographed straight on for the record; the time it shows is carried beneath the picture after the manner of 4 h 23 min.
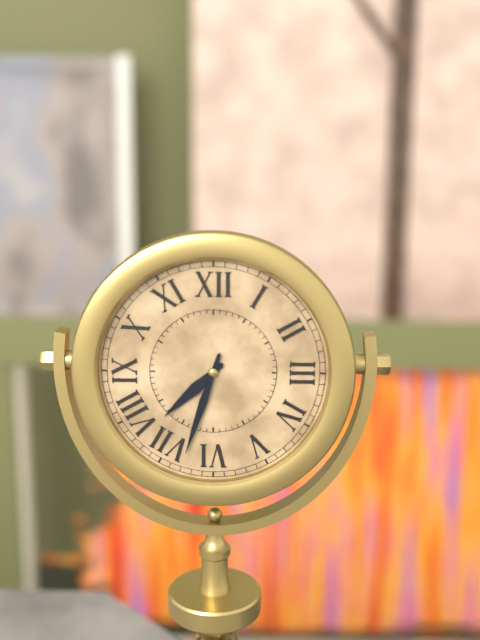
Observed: 7 h 33 min
